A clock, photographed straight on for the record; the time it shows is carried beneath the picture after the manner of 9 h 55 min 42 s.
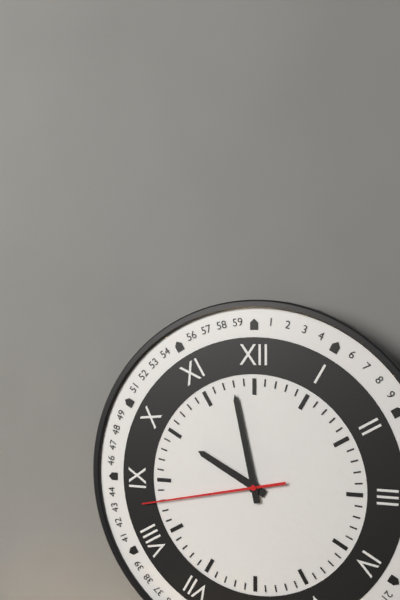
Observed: 9 h 58 min 43 s
